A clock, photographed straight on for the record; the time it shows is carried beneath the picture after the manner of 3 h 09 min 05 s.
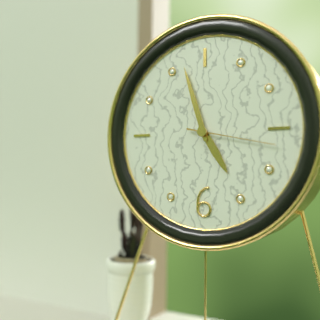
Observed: 4 h 57 min 17 s
